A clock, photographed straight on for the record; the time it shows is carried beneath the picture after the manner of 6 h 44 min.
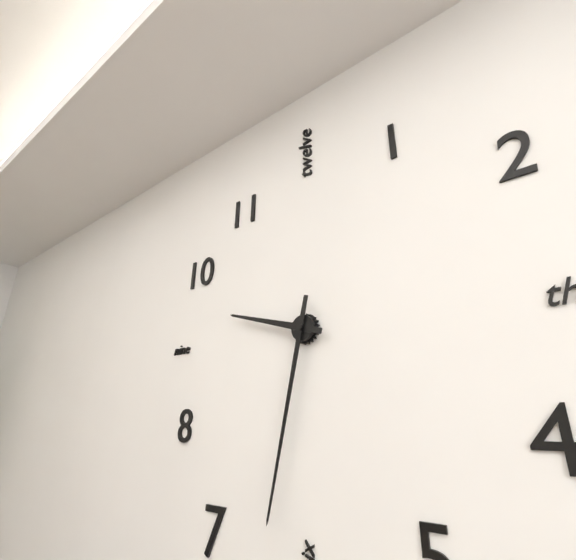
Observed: 9 h 32 min
